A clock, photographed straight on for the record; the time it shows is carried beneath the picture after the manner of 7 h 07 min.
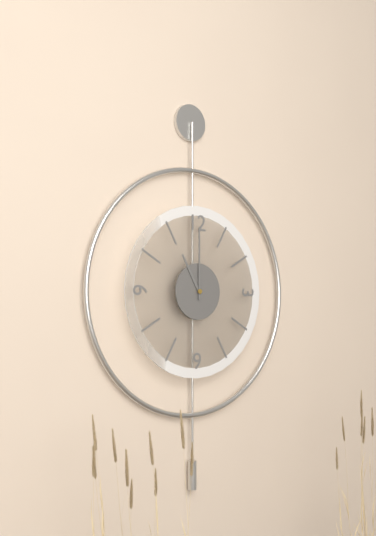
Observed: 11 h 00 min
